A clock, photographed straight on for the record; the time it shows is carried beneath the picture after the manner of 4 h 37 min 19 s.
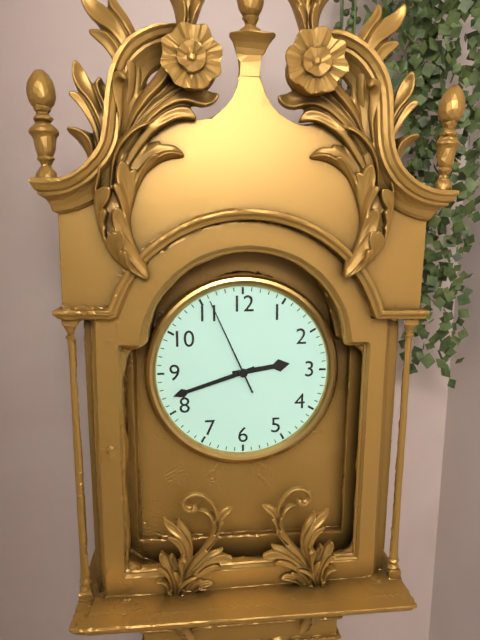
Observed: 2 h 42 min 56 s
